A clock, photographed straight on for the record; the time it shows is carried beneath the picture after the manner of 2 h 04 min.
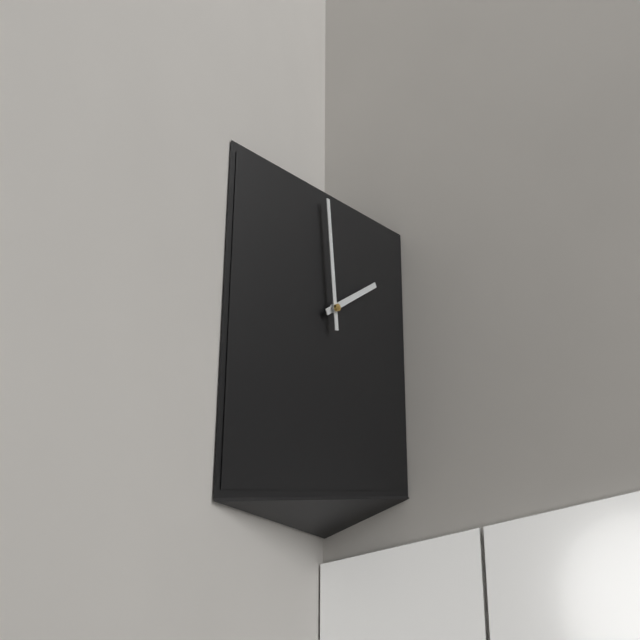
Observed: 1 h 59 min
